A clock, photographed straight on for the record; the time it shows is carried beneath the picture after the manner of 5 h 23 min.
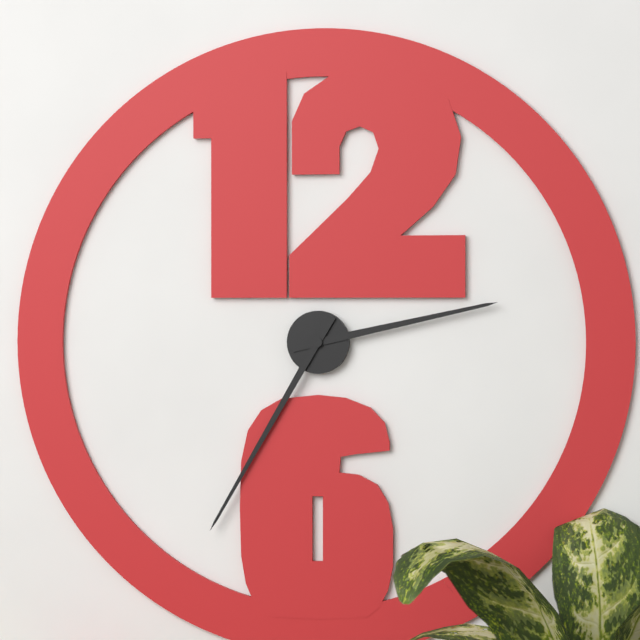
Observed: 2 h 35 min
